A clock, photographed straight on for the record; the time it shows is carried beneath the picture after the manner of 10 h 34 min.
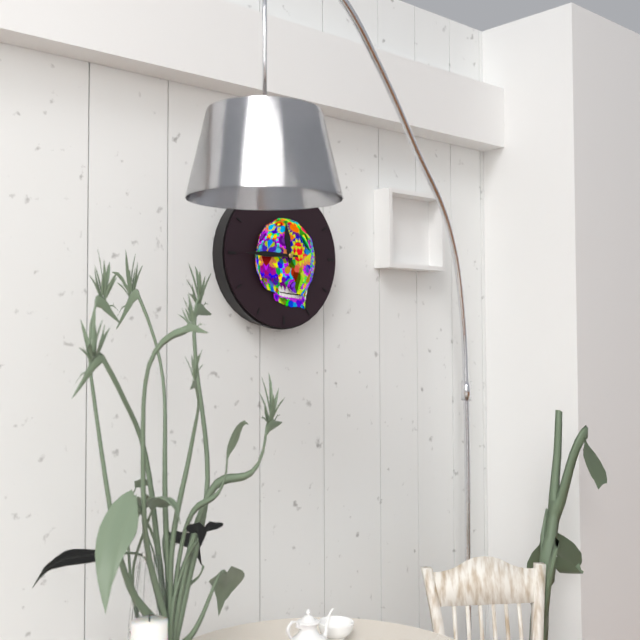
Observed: 11 h 45 min
